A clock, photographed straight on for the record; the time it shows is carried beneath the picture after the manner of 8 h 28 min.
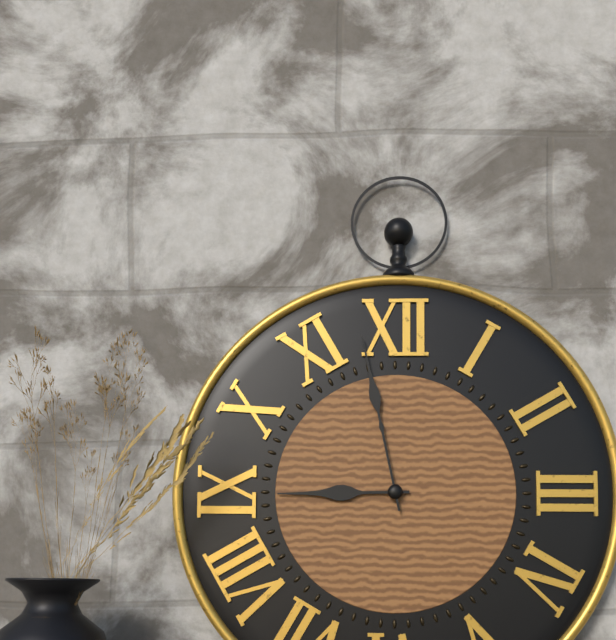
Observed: 8 h 58 min
